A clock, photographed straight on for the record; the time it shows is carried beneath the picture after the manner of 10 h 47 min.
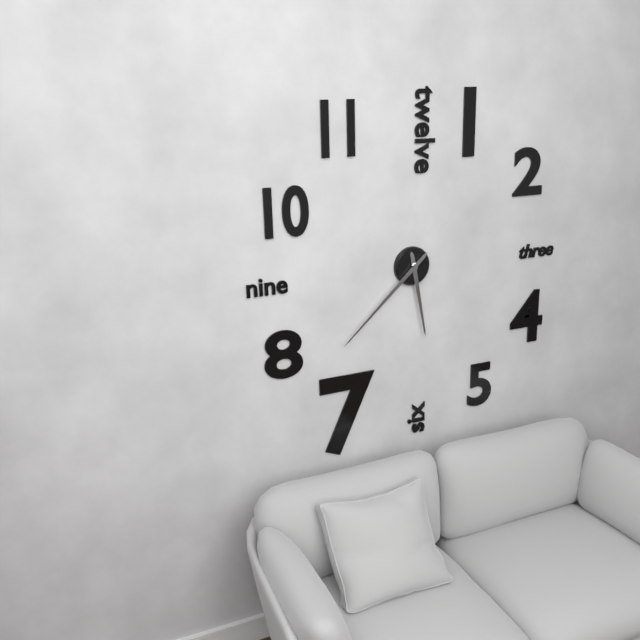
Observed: 5 h 38 min
